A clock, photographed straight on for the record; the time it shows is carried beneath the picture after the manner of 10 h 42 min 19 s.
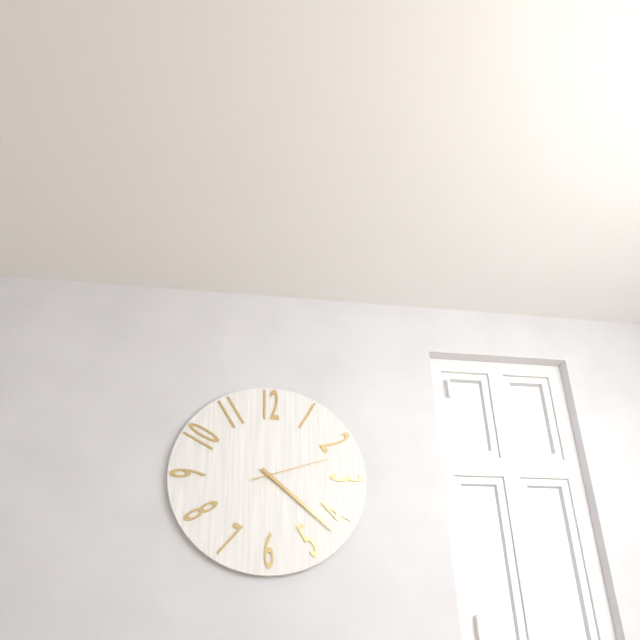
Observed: 4 h 22 min 12 s
